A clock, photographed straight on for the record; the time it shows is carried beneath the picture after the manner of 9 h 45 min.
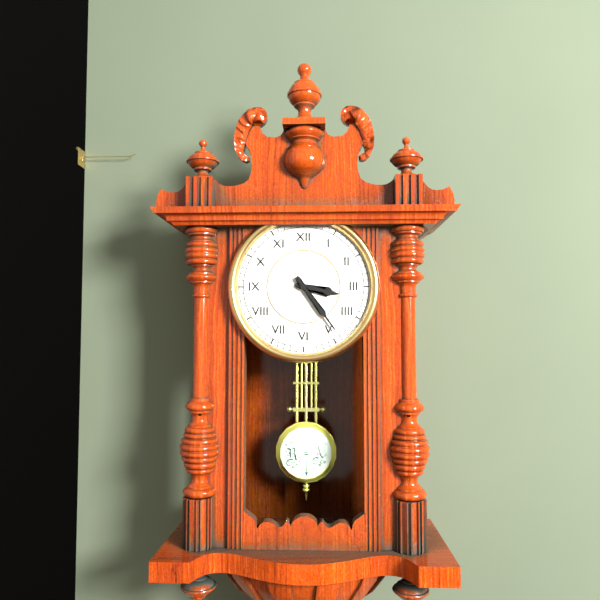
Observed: 3 h 24 min
